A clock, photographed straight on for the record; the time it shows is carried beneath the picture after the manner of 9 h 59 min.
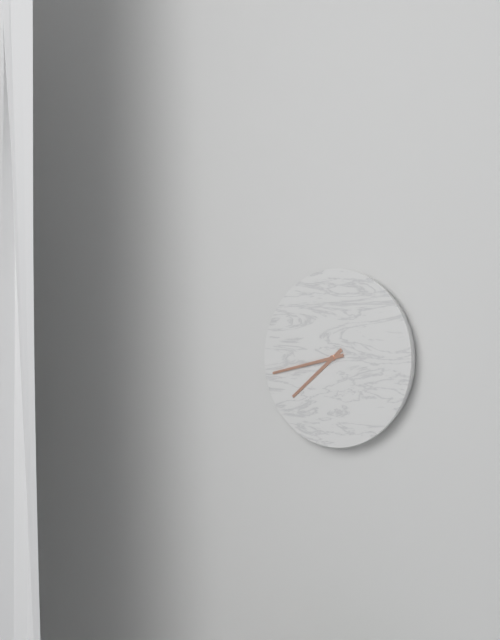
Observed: 7 h 43 min
